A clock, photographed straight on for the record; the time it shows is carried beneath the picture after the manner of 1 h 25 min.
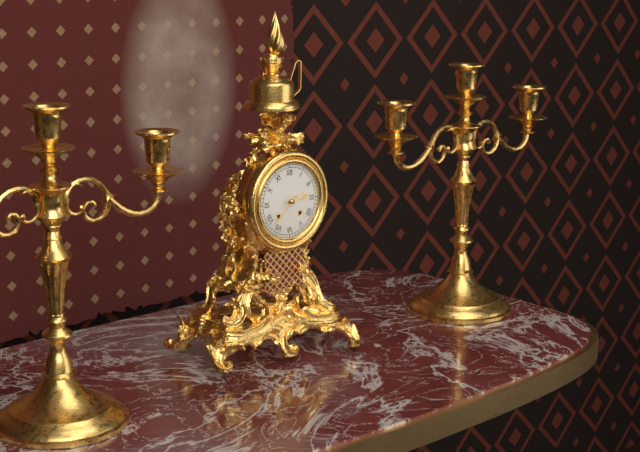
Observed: 2 h 38 min
